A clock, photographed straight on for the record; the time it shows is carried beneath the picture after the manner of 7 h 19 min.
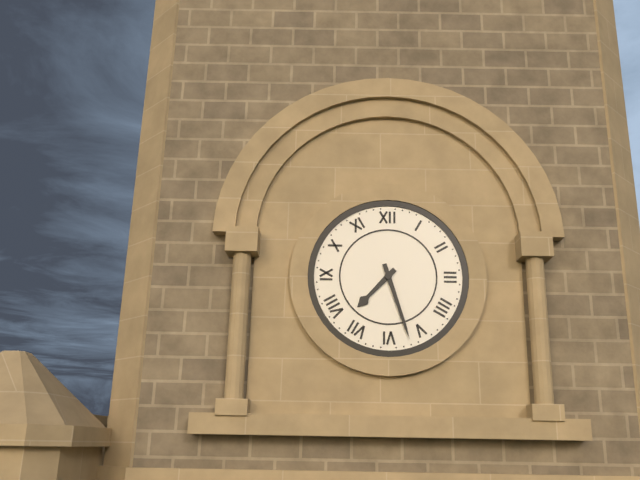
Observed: 7 h 27 min
